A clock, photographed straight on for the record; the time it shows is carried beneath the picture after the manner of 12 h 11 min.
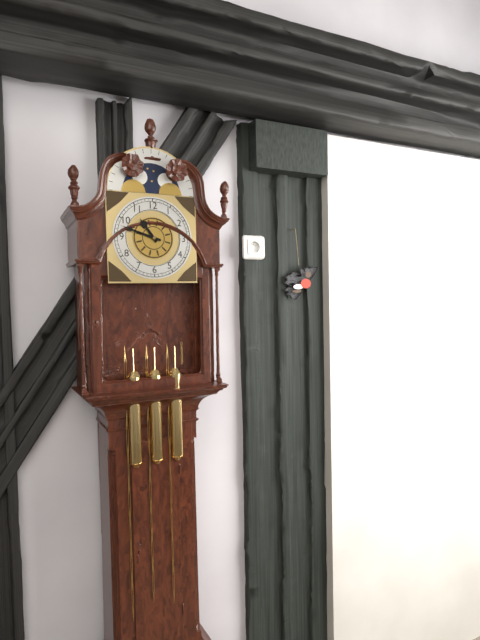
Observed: 10 h 48 min
